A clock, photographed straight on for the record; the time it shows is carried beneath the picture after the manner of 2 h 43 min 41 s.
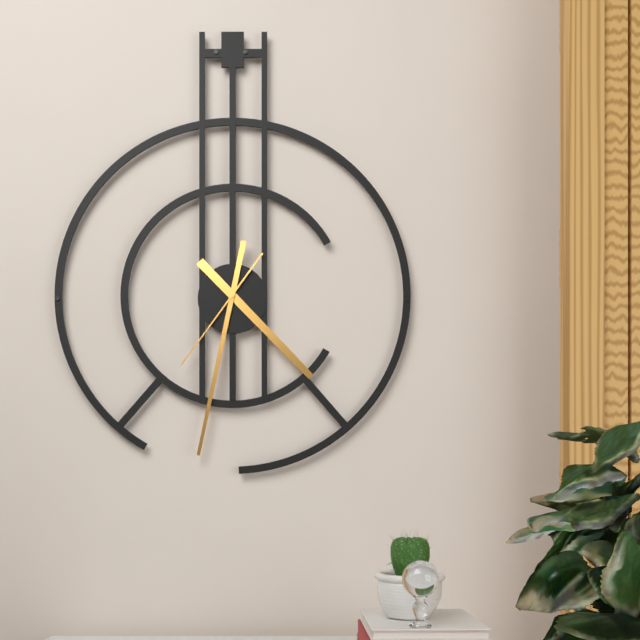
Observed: 4 h 32 min 36 s
